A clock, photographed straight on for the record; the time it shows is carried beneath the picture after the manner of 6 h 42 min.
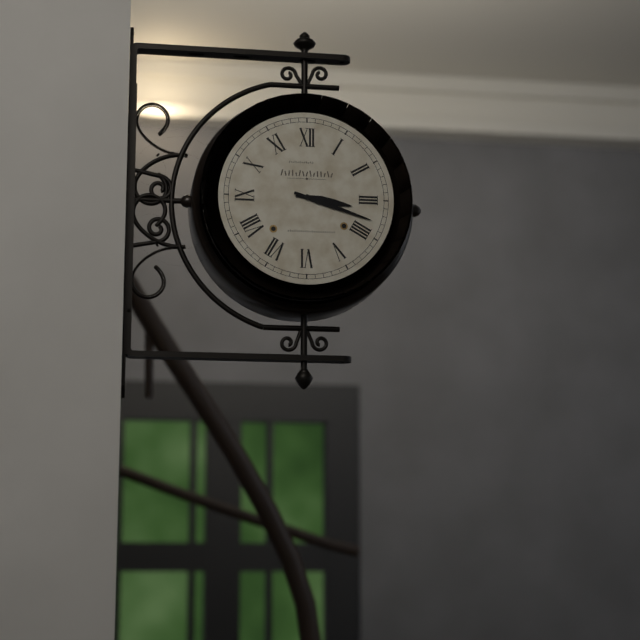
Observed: 3 h 18 min
